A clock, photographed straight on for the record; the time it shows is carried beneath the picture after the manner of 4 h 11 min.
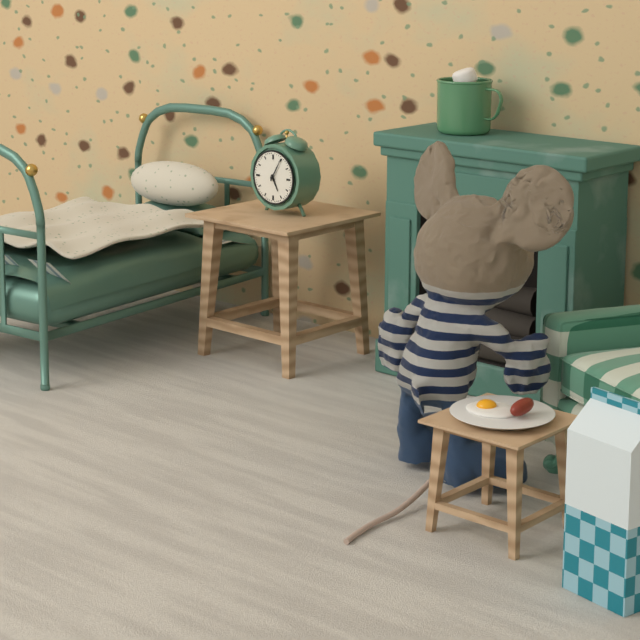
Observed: 5 h 05 min
